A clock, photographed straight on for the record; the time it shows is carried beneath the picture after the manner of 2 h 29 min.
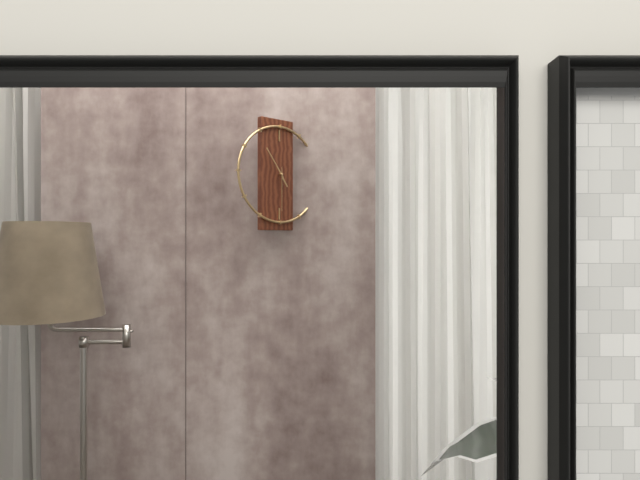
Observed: 4 h 54 min
